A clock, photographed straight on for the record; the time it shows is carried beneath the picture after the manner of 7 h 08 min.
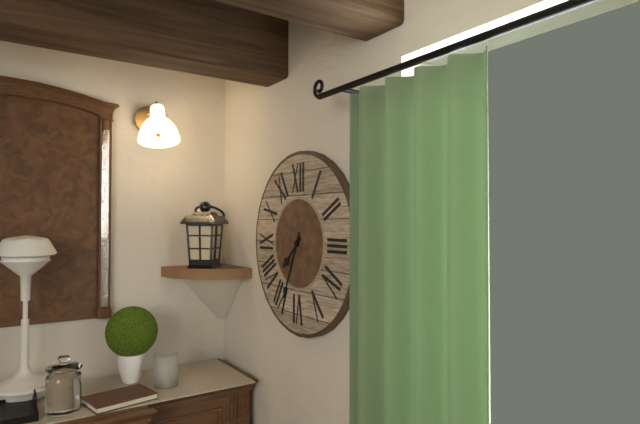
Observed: 7 h 34 min
